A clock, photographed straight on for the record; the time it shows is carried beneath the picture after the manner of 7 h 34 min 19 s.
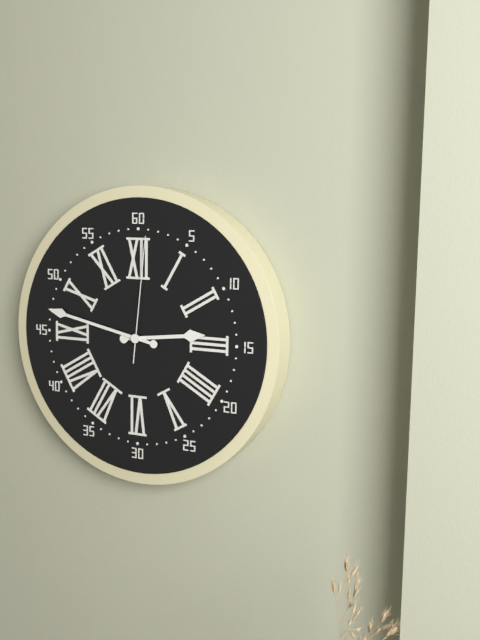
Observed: 2 h 47 min 01 s
